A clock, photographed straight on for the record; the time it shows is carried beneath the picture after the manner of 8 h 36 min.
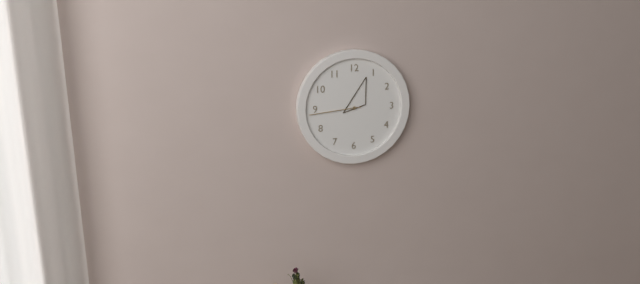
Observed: 12 h 44 min
